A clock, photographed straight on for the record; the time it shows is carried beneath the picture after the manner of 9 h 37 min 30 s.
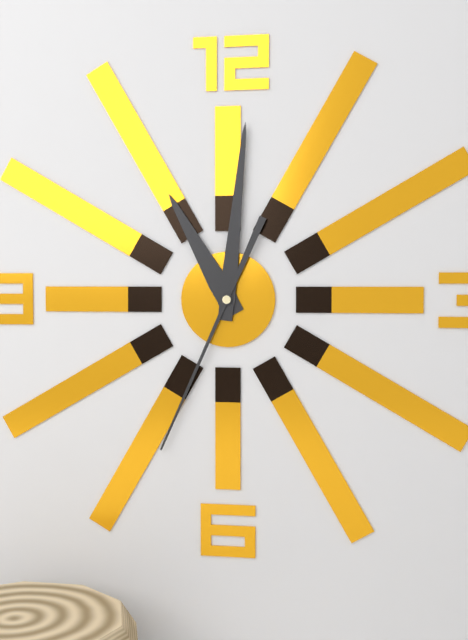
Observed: 11 h 01 min 34 s
